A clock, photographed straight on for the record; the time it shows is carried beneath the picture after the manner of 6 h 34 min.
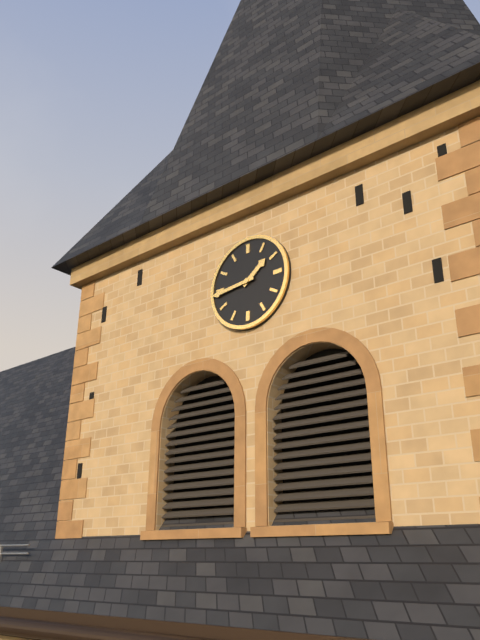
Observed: 1 h 44 min
